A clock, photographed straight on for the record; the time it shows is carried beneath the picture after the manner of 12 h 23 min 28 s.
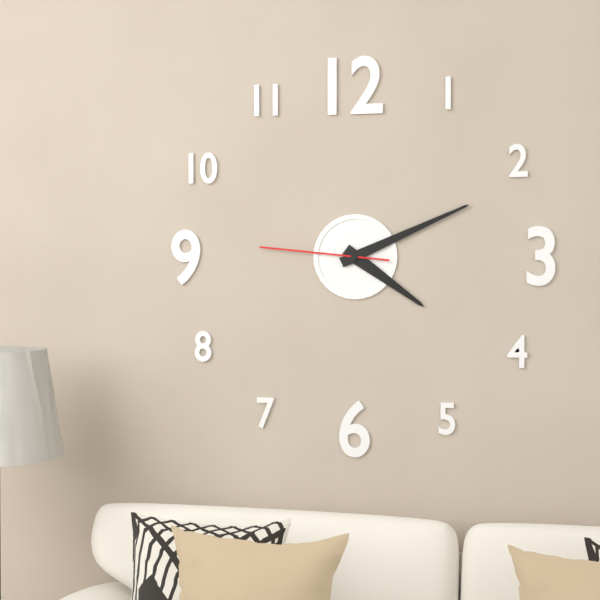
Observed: 4 h 11 min 46 s
